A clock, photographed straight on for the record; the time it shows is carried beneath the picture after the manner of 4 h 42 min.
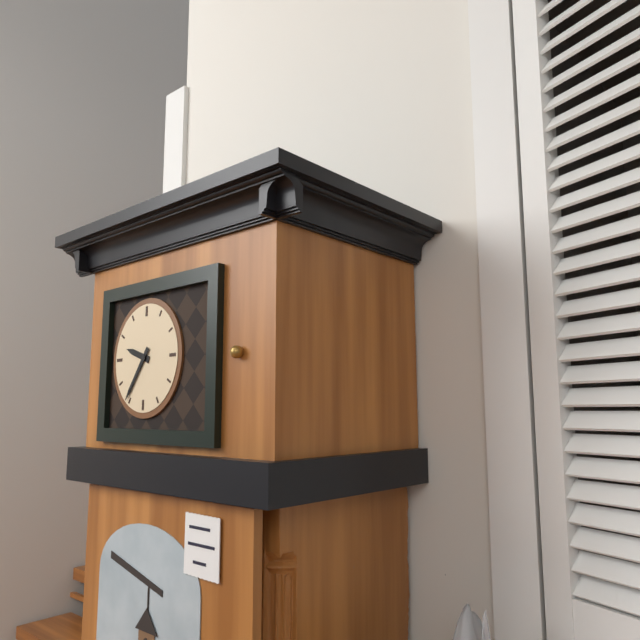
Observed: 9 h 36 min
